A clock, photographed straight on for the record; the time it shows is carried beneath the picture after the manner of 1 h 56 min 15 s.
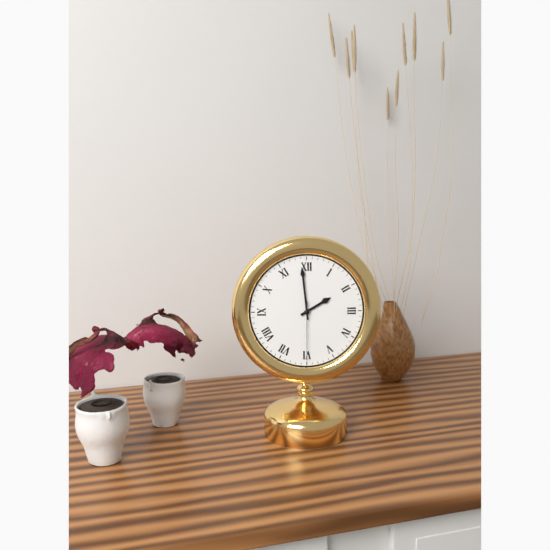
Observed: 1 h 59 min 30 s
